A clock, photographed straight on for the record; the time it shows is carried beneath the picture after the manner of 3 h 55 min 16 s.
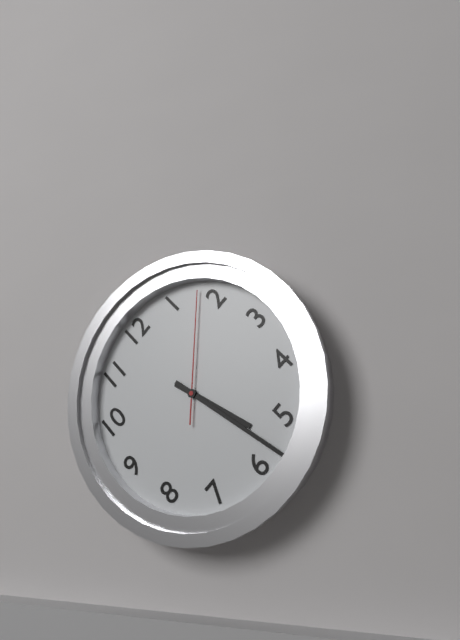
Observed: 5 h 28 min 08 s
